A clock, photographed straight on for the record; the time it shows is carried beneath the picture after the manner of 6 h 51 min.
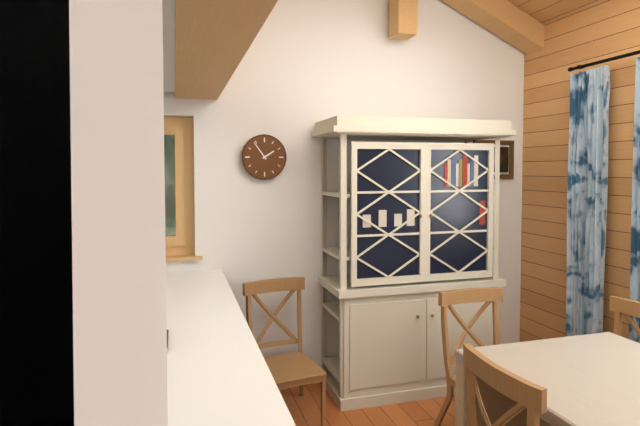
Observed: 1 h 54 min
